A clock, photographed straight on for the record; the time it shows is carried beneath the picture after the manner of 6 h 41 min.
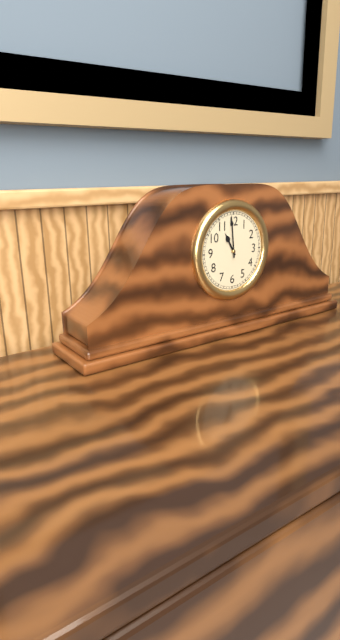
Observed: 10 h 59 min
